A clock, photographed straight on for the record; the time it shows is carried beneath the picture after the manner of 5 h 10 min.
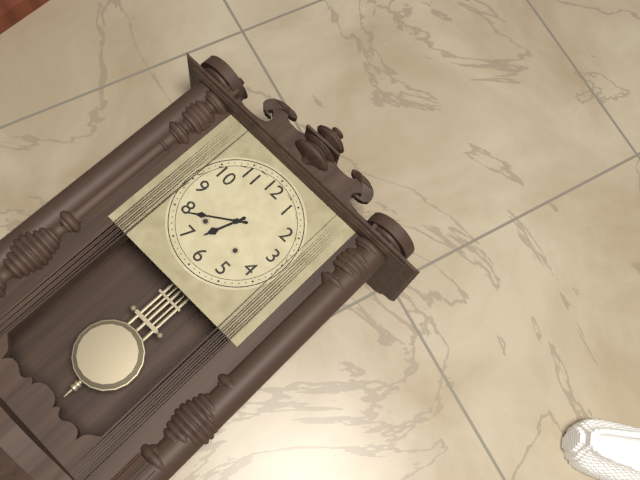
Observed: 6 h 39 min
